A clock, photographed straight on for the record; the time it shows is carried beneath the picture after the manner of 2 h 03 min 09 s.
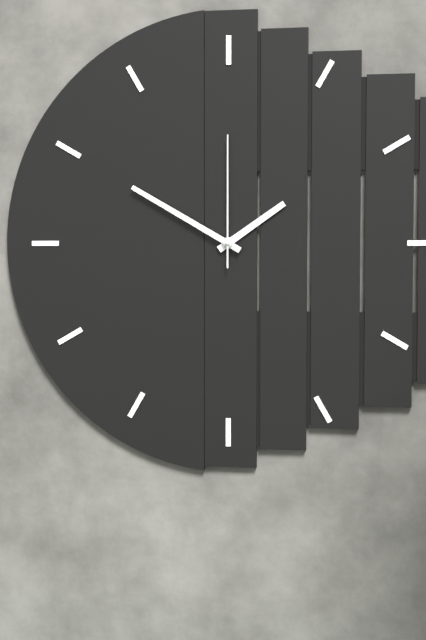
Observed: 1 h 50 min 00 s
